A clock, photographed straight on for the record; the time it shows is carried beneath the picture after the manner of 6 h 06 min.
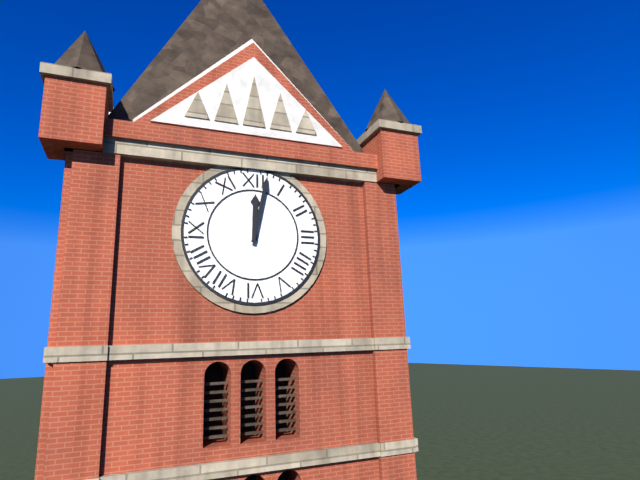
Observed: 12 h 02 min
